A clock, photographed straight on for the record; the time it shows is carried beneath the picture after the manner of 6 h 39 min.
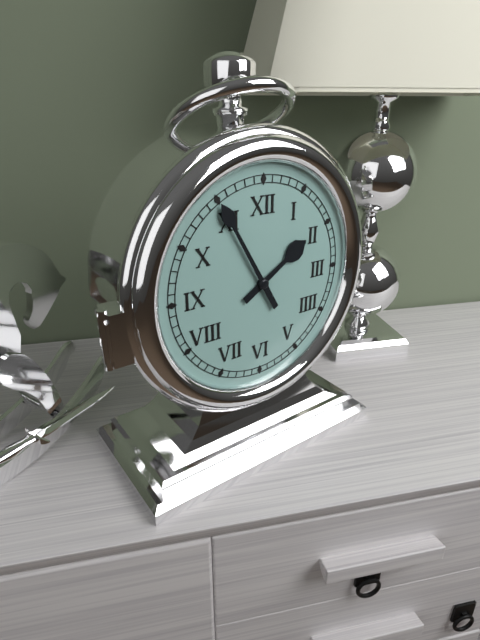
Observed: 1 h 55 min
